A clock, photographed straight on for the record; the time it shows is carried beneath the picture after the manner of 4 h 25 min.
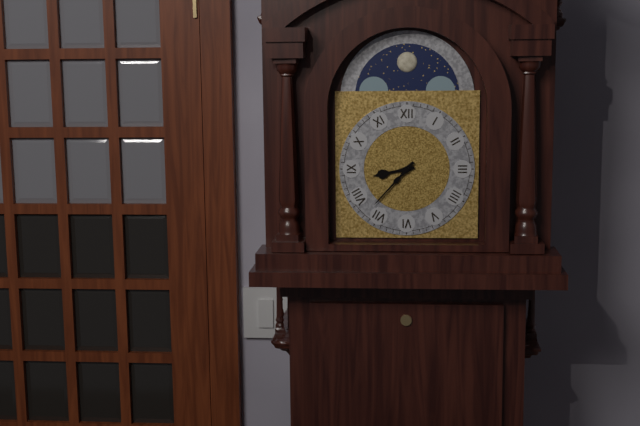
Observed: 8 h 37 min
